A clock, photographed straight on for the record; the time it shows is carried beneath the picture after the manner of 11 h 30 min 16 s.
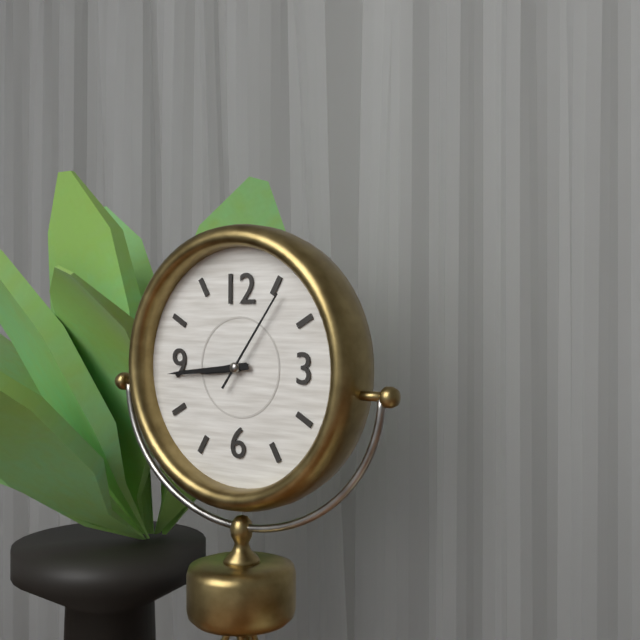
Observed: 8 h 44 min 06 s
